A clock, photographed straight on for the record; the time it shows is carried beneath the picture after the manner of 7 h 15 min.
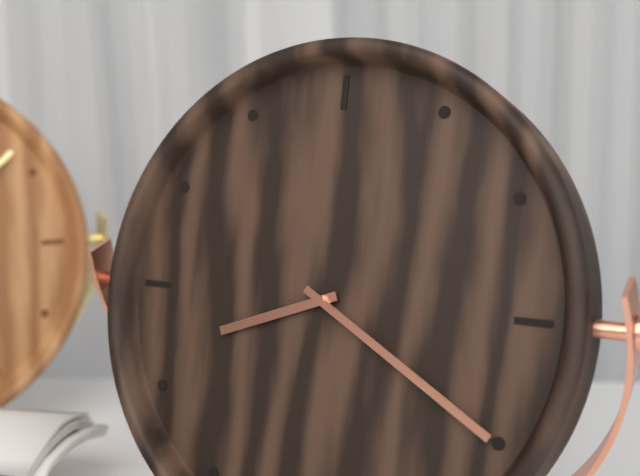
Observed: 8 h 20 min
